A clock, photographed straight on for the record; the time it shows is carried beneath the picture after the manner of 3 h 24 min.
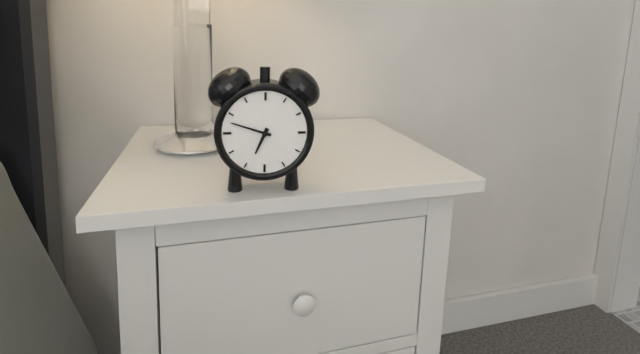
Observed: 6 h 48 min
